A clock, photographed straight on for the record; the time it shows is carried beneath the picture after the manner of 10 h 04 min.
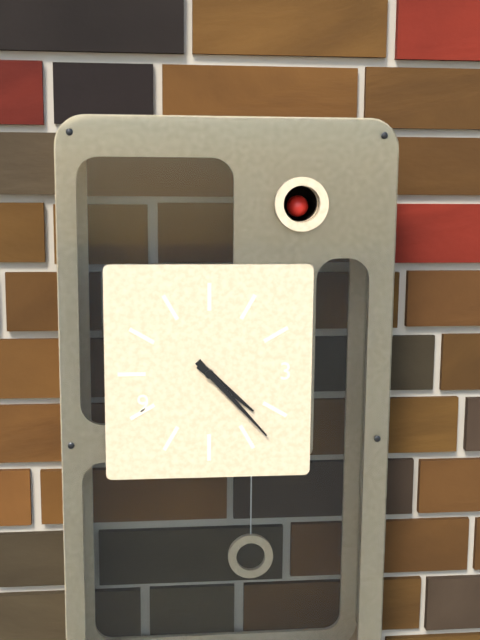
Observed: 4 h 23 min
